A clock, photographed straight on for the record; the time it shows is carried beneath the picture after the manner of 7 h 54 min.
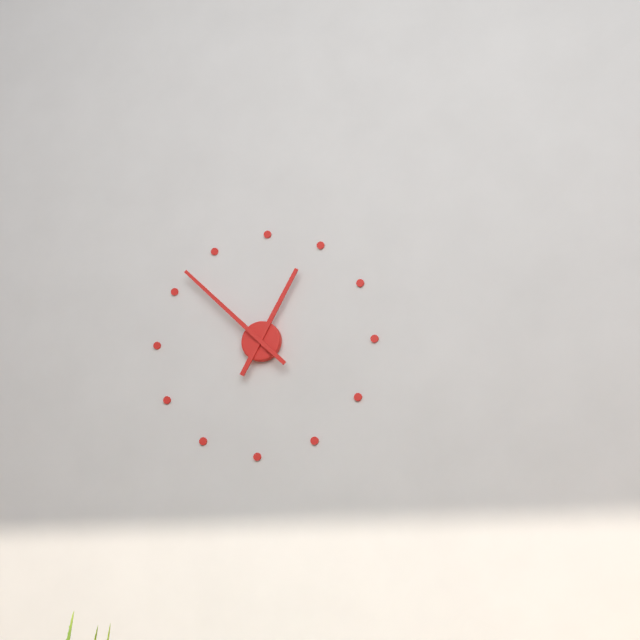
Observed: 12 h 52 min
